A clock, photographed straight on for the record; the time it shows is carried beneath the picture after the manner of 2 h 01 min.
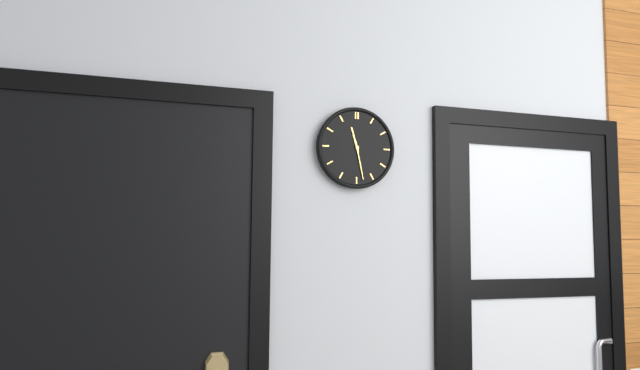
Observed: 11 h 28 min
